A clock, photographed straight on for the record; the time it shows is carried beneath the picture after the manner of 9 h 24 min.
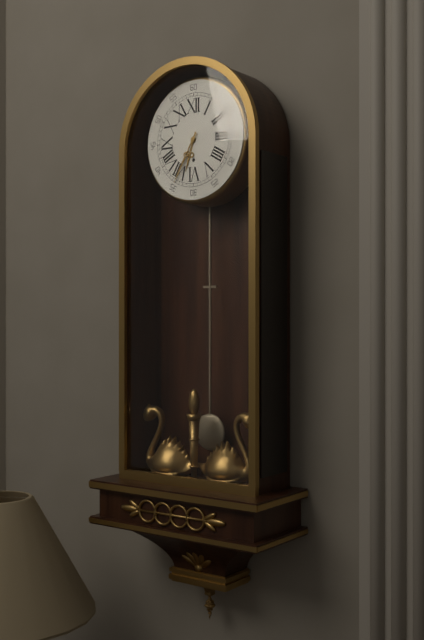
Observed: 6 h 35 min
